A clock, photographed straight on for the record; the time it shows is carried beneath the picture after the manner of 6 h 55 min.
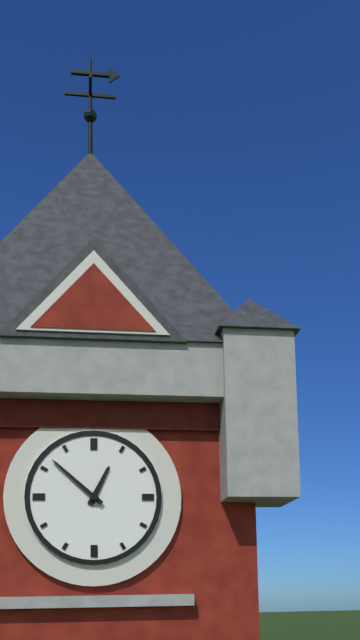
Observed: 12 h 52 min
